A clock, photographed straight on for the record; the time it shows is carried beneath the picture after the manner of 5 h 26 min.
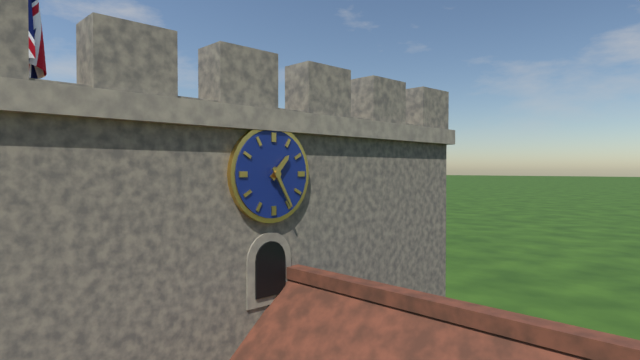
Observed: 1 h 25 min
